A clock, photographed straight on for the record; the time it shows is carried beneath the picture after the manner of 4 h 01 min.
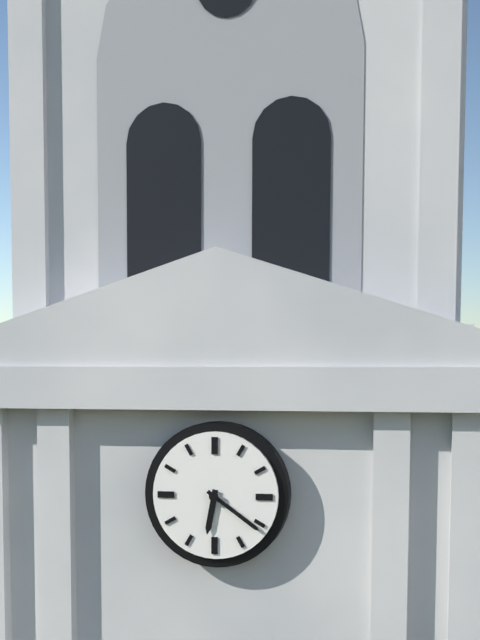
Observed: 6 h 21 min
